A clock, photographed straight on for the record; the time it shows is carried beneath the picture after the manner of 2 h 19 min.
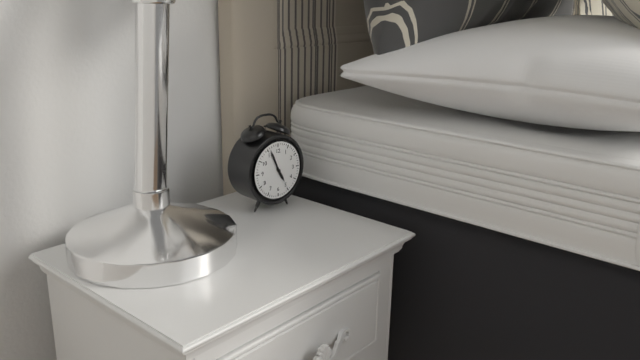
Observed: 4 h 56 min
